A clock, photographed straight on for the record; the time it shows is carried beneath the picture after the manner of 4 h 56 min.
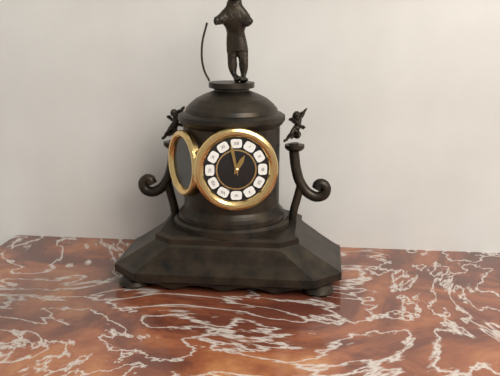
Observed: 12 h 58 min
